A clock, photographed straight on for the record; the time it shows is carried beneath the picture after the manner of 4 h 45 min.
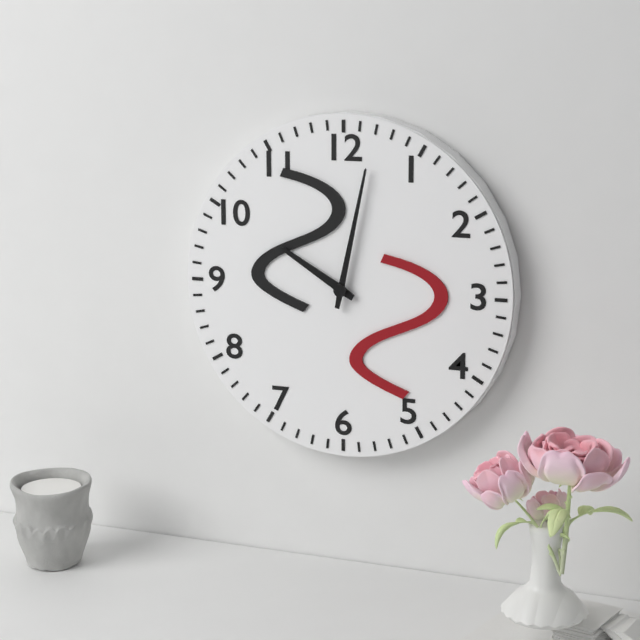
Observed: 10 h 02 min
